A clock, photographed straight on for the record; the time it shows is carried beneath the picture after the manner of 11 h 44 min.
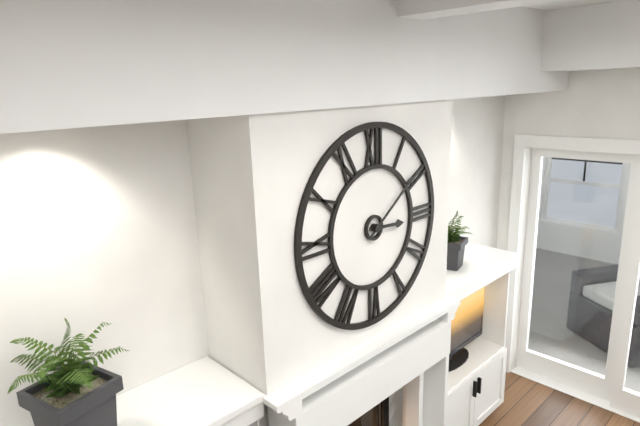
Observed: 3 h 09 min
